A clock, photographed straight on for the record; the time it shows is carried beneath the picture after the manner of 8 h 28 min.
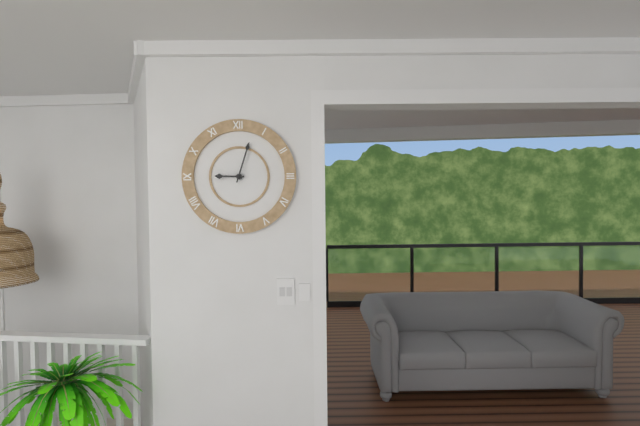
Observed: 9 h 03 min
